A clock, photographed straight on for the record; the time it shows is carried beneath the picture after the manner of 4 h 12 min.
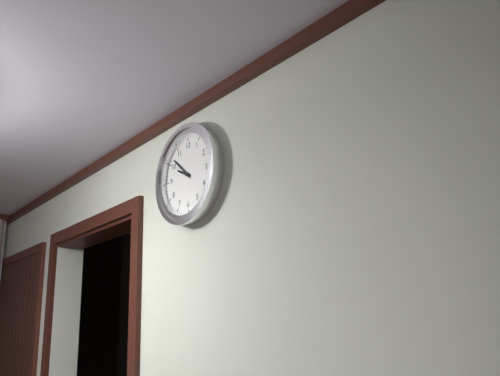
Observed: 9 h 52 min
